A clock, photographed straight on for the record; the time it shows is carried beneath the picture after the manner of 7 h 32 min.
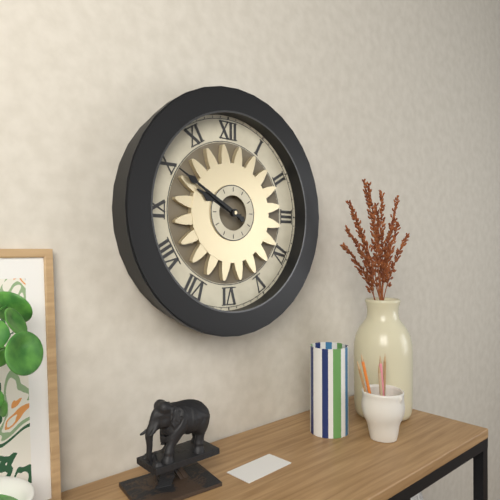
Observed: 9 h 50 min
